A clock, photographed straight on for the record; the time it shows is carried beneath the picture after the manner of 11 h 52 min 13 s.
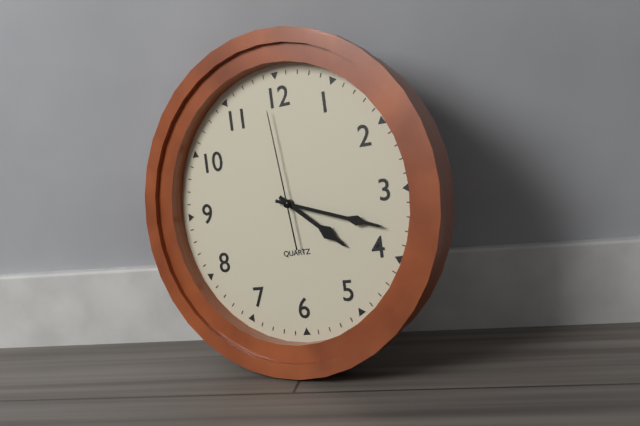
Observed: 4 h 18 min 59 s
